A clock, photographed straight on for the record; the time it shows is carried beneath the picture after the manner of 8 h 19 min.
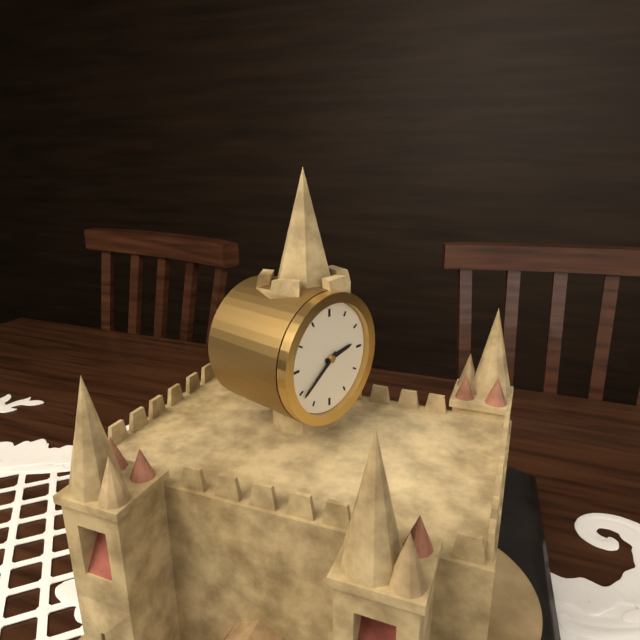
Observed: 2 h 39 min
